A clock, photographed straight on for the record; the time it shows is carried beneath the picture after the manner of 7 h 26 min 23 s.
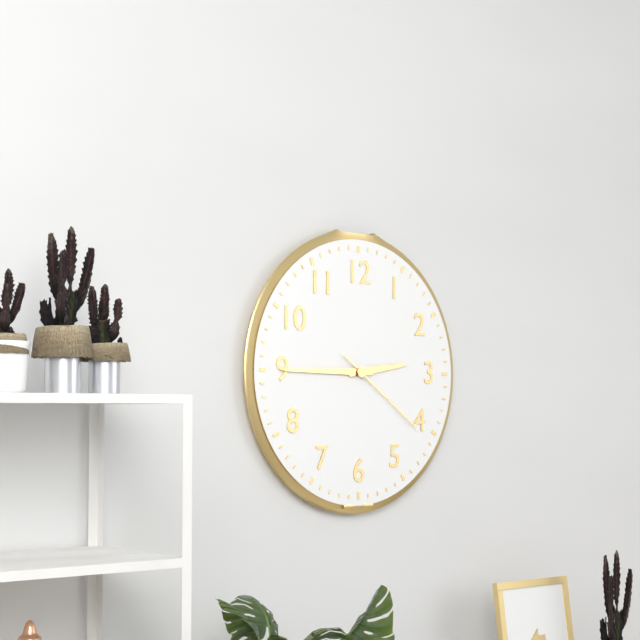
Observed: 2 h 45 min 21 s
